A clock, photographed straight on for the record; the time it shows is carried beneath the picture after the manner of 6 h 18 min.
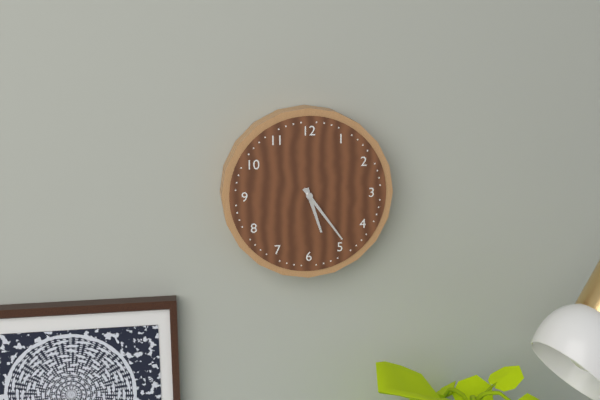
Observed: 5 h 24 min
